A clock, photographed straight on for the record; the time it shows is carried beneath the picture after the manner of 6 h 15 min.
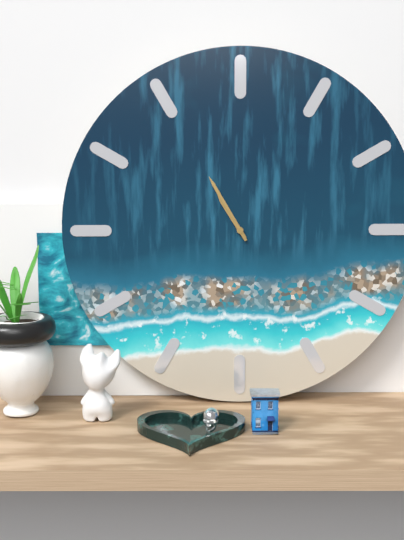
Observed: 10 h 55 min
